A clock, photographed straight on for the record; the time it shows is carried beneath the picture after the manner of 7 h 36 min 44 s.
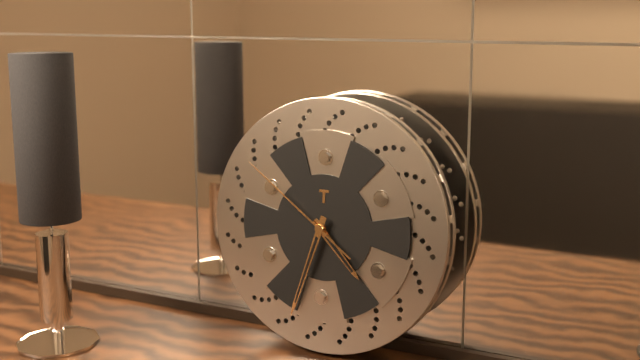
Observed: 4 h 33 min 51 s
